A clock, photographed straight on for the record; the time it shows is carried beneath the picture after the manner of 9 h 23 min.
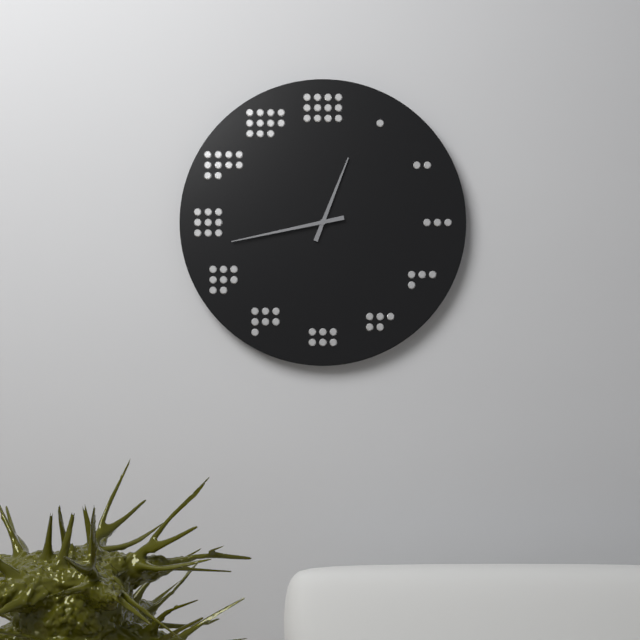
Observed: 12 h 43 min
